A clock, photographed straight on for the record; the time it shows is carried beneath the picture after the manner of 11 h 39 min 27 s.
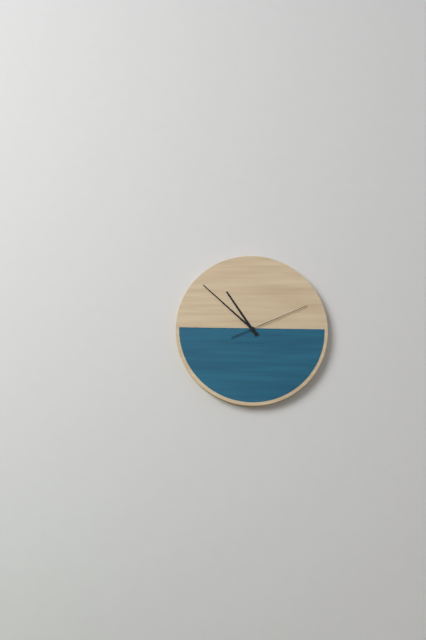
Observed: 10 h 52 min 11 s
